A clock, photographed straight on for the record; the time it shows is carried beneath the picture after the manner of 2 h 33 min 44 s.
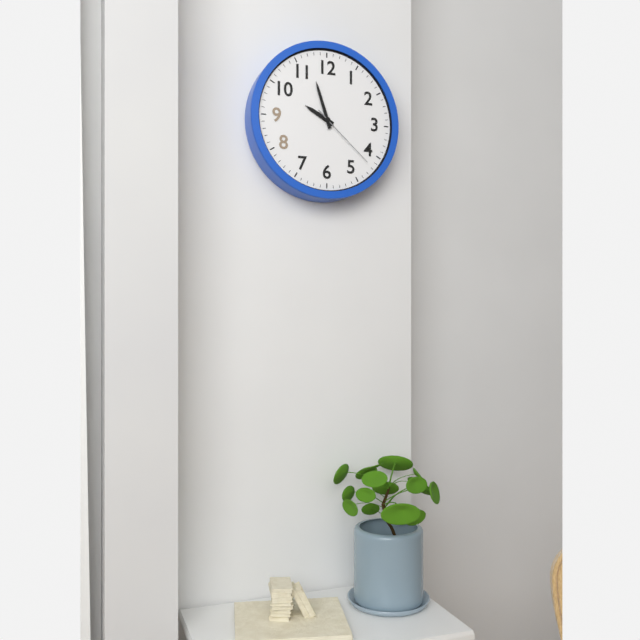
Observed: 9 h 57 min 22 s
